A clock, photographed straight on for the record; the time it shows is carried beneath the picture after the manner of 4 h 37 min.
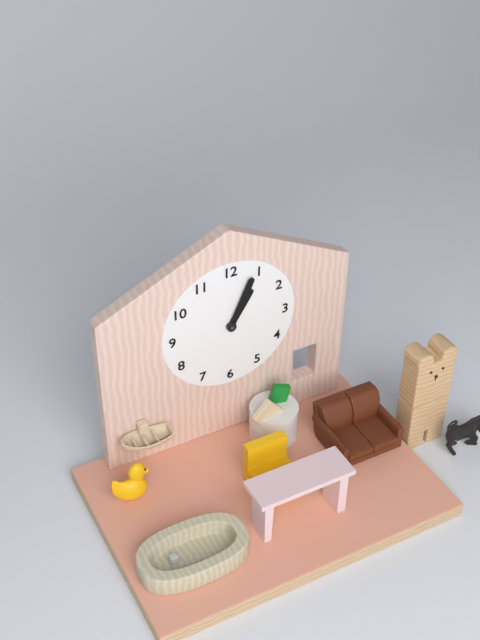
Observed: 1 h 04 min
